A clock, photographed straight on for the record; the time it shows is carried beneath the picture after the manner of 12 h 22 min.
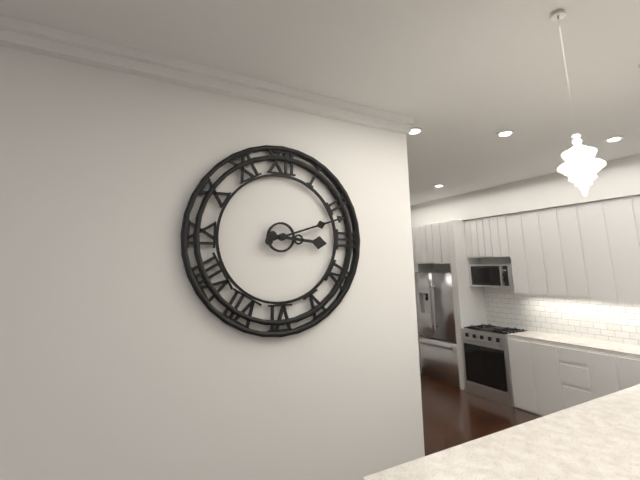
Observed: 3 h 12 min
